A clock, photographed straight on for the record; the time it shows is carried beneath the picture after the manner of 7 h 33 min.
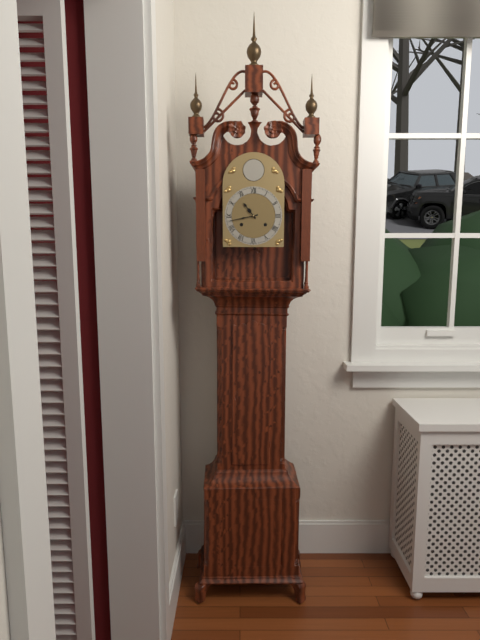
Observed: 10 h 43 min
